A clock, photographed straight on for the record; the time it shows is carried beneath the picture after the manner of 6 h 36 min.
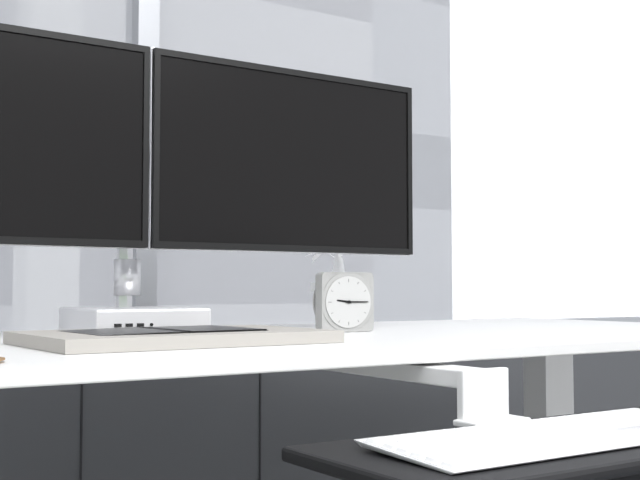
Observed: 9 h 15 min
